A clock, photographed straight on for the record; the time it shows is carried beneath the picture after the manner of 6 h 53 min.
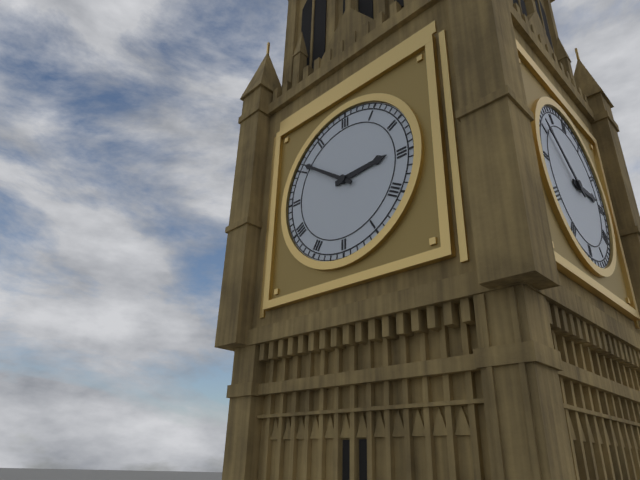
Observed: 2 h 51 min
